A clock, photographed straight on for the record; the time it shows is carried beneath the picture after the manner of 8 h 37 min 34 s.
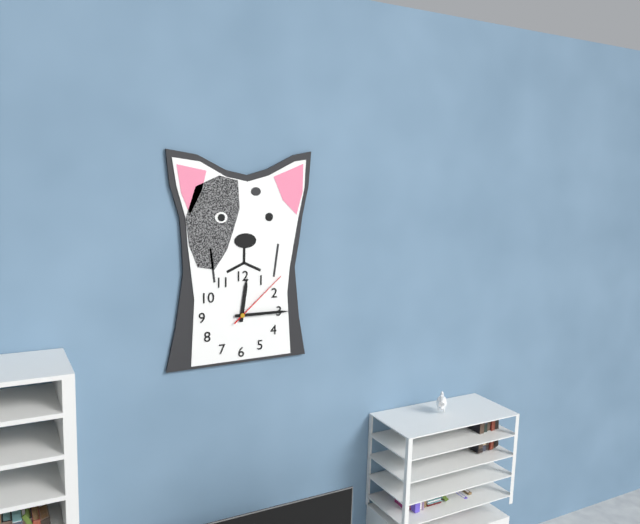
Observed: 12 h 15 min 08 s
